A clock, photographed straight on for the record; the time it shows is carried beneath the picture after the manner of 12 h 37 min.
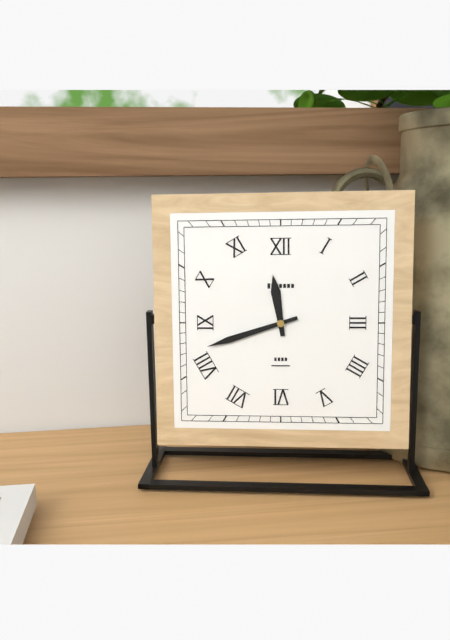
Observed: 11 h 42 min
